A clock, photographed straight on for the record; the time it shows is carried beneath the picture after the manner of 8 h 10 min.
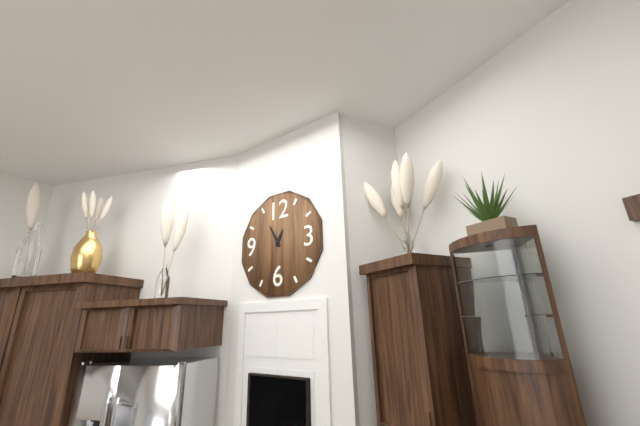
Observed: 12 h 55 min
